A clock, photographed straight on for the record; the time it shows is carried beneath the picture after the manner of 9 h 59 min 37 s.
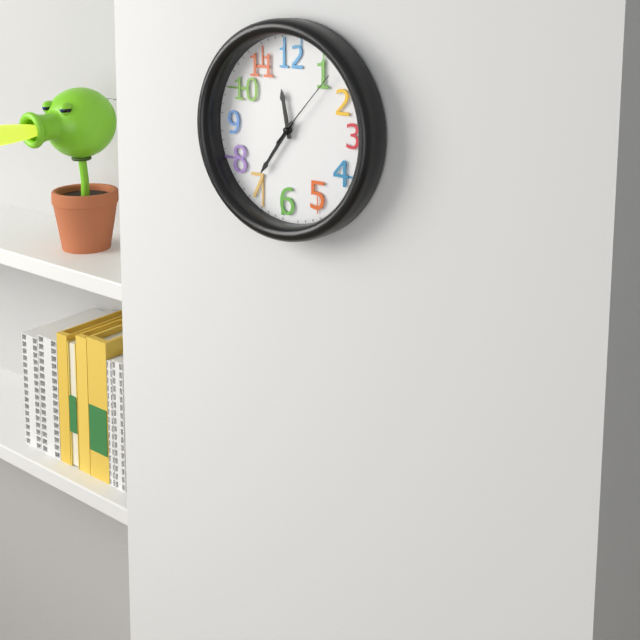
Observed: 11 h 36 min 07 s
